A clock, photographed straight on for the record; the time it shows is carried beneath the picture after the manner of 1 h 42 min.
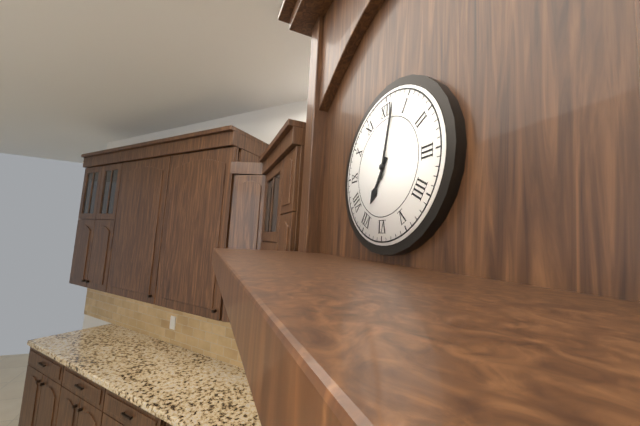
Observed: 7 h 02 min
